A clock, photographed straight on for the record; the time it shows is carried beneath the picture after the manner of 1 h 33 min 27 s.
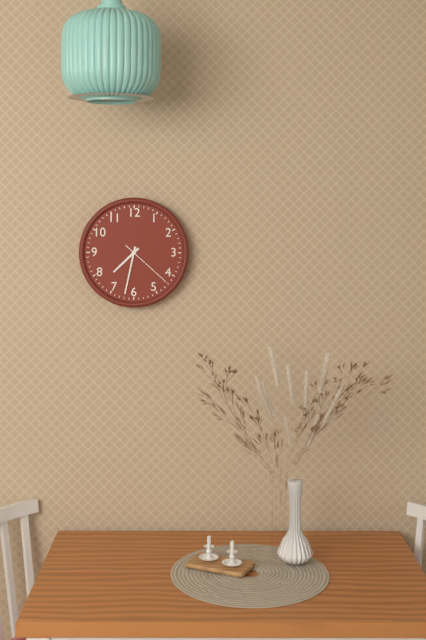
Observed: 7 h 32 min 22 s
